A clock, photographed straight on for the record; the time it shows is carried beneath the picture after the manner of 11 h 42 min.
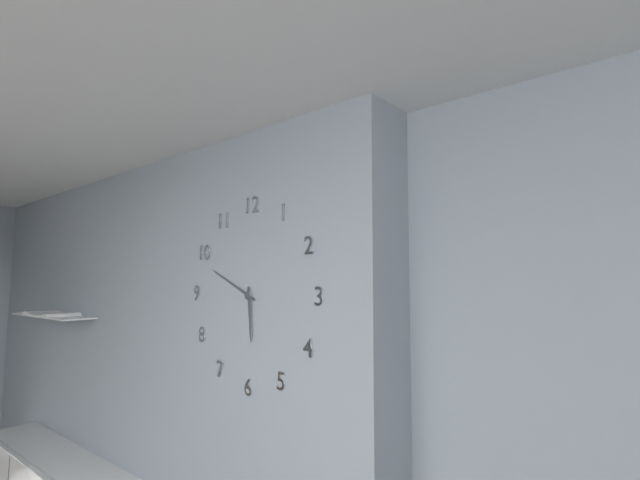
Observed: 5 h 49 min
